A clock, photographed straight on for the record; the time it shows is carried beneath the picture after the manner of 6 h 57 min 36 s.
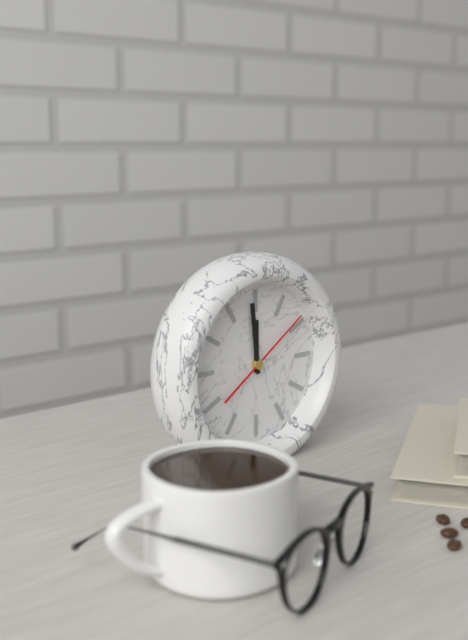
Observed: 11 h 59 min 09 s
